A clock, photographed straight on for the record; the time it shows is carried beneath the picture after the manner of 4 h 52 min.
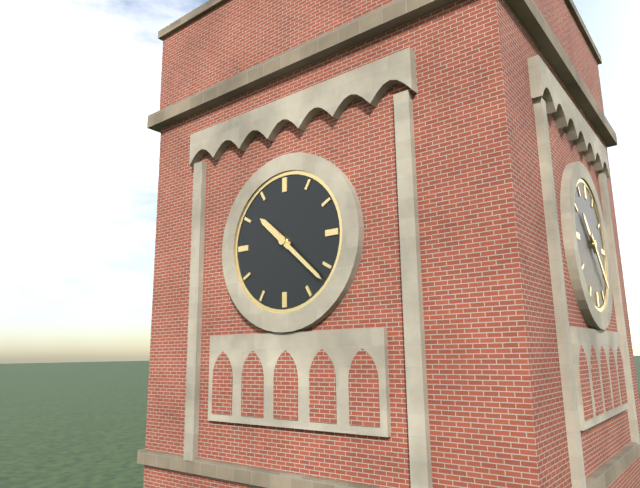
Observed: 10 h 22 min
